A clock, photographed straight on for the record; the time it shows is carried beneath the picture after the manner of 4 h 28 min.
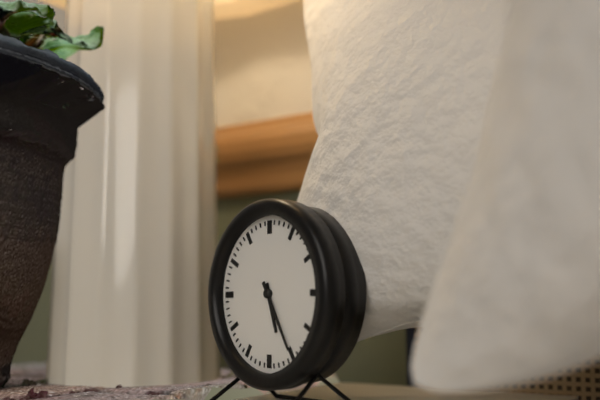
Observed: 5 h 25 min
